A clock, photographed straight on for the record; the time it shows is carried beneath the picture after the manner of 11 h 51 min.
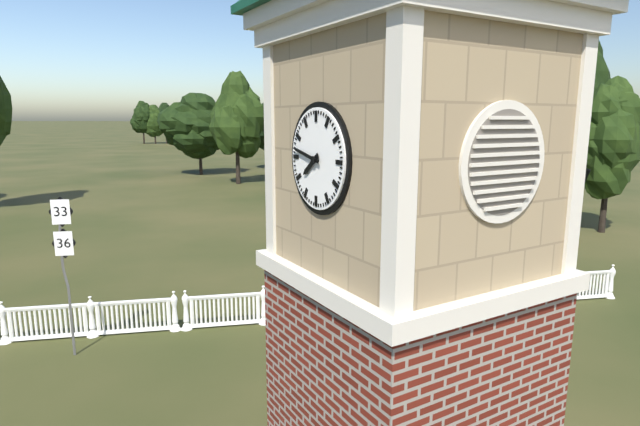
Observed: 7 h 47 min
